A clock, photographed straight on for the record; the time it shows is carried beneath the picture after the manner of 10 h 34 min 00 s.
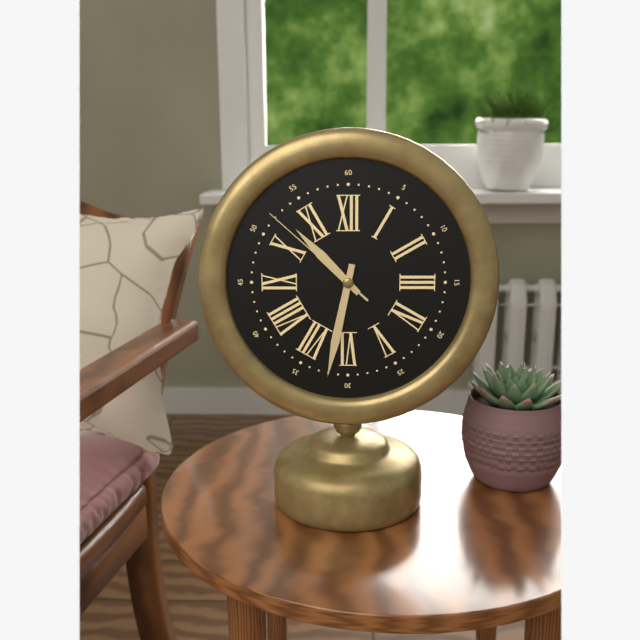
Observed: 10 h 32 min 52 s
